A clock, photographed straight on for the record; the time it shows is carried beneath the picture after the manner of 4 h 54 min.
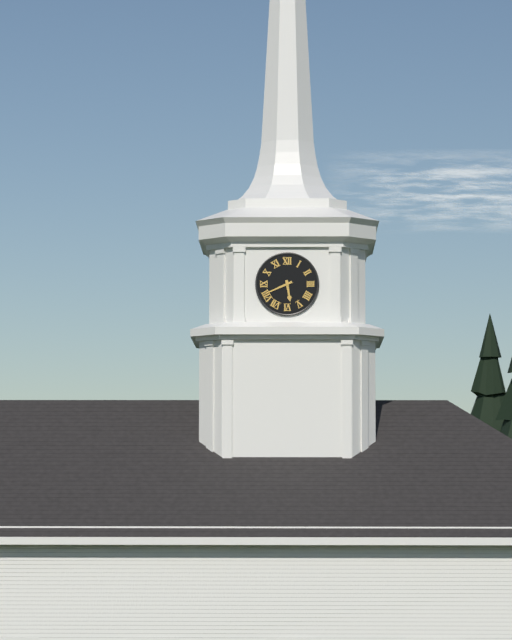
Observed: 5 h 41 min
